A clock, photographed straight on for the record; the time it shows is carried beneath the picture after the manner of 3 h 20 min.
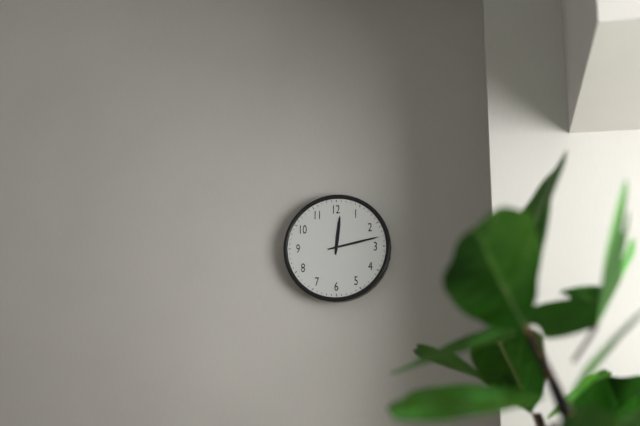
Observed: 12 h 13 min
